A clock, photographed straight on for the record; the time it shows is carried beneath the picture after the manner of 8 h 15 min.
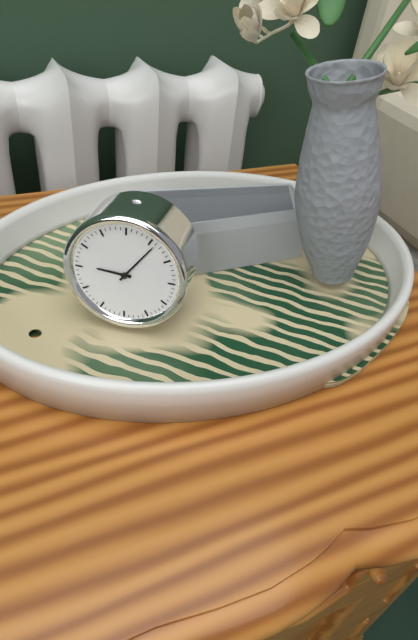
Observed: 9 h 06 min
